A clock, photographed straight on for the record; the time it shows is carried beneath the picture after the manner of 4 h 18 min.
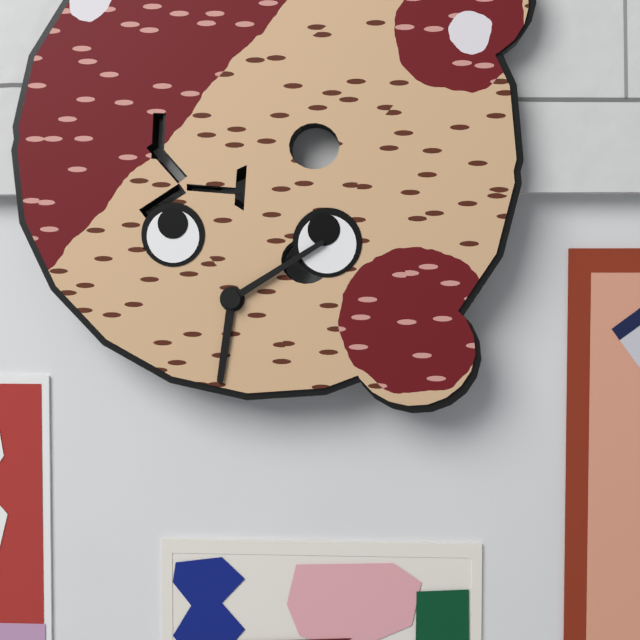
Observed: 6 h 09 min
